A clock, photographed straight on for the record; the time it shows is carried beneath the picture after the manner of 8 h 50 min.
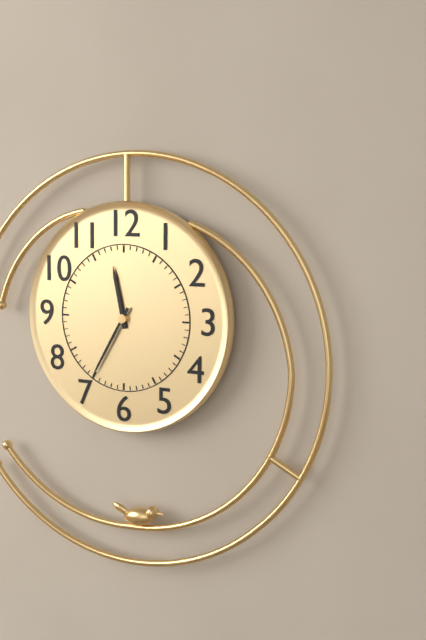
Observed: 11 h 35 min
